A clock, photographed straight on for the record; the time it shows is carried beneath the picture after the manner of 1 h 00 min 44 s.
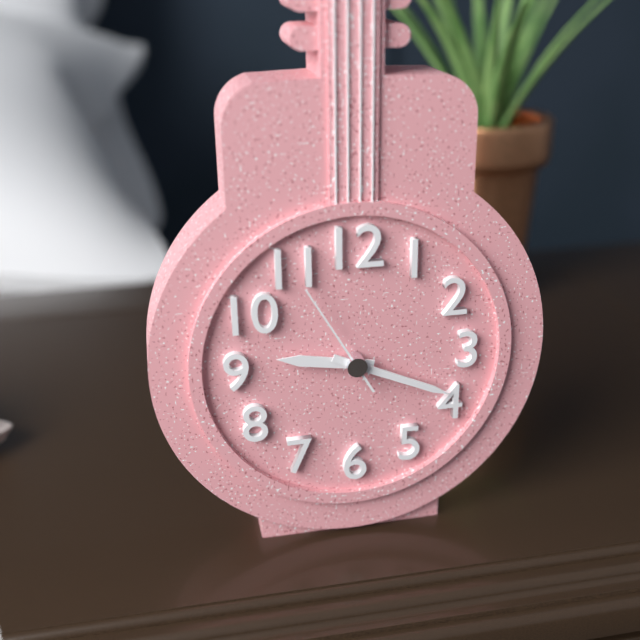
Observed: 9 h 19 min 55 s
